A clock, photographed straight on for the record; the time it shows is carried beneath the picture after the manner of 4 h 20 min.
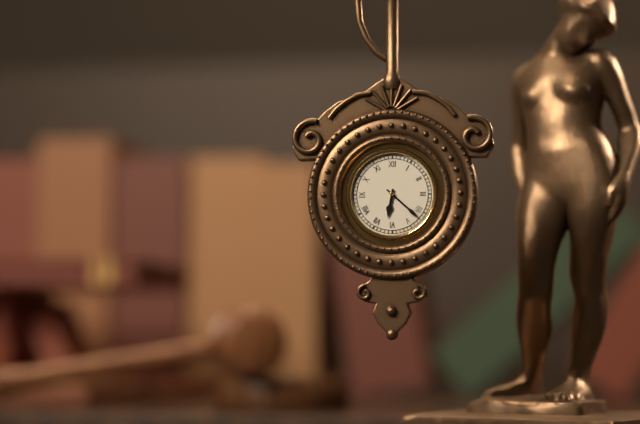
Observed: 6 h 22 min
